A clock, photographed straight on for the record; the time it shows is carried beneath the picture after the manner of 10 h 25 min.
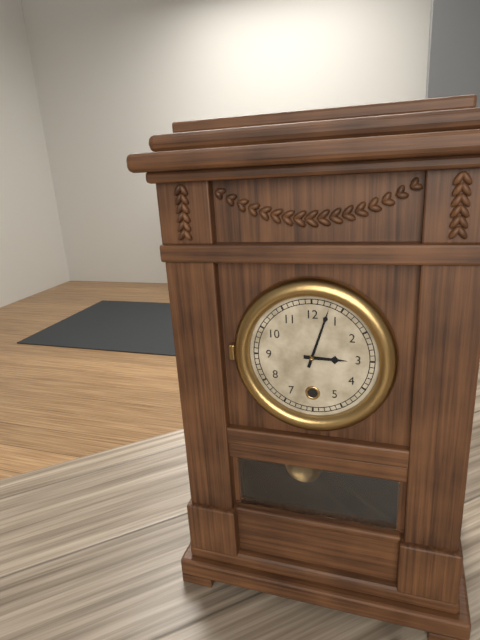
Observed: 3 h 03 min
